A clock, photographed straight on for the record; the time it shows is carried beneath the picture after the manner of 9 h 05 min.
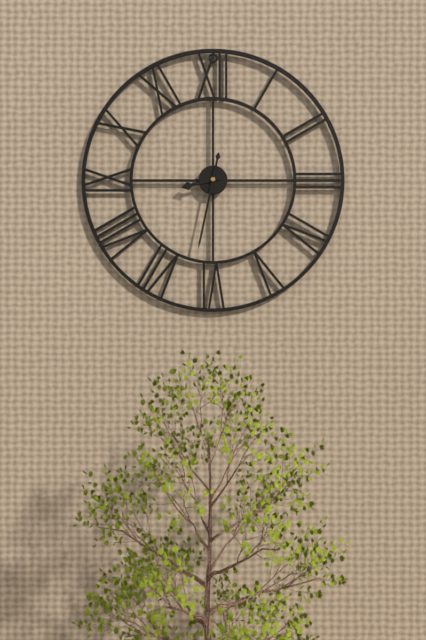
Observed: 8 h 32 min
